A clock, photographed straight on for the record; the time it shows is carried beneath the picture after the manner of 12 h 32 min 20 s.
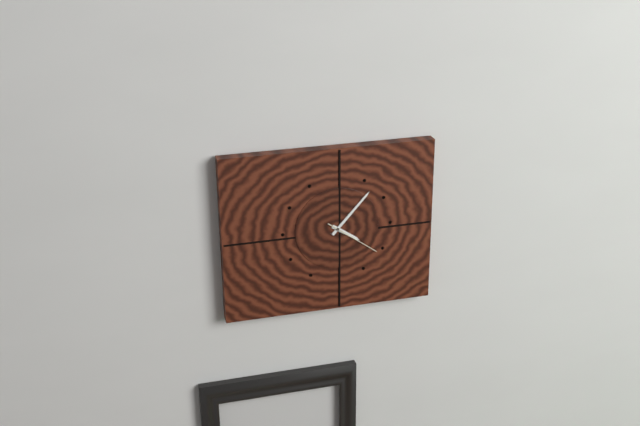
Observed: 4 h 07 min 21 s
